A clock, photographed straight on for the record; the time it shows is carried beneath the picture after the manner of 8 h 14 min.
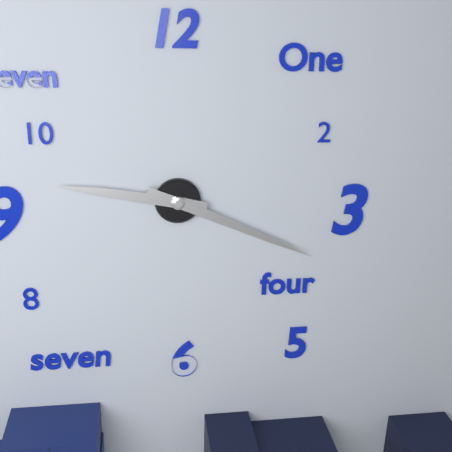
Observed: 9 h 19 min
